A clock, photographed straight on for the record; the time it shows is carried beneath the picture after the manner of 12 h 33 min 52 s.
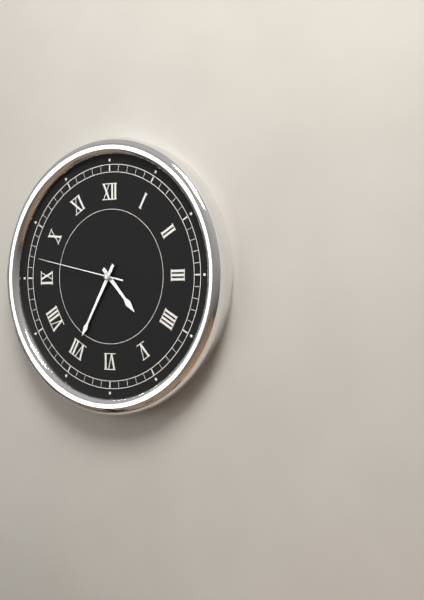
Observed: 4 h 35 min 47 s
